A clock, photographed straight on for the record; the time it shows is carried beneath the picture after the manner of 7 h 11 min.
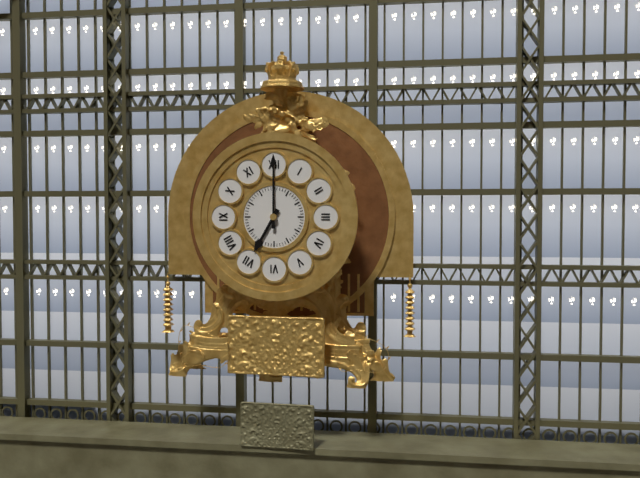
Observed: 7 h 00 min
